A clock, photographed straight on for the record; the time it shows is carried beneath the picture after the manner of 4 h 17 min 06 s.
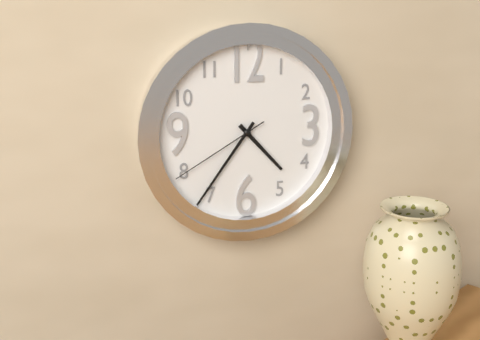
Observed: 4 h 36 min 40 s
